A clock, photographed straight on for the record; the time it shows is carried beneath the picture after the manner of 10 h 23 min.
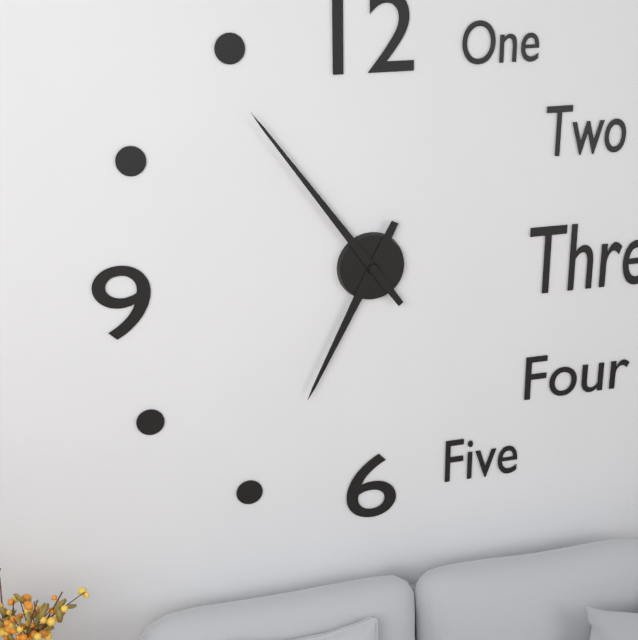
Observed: 6 h 54 min
